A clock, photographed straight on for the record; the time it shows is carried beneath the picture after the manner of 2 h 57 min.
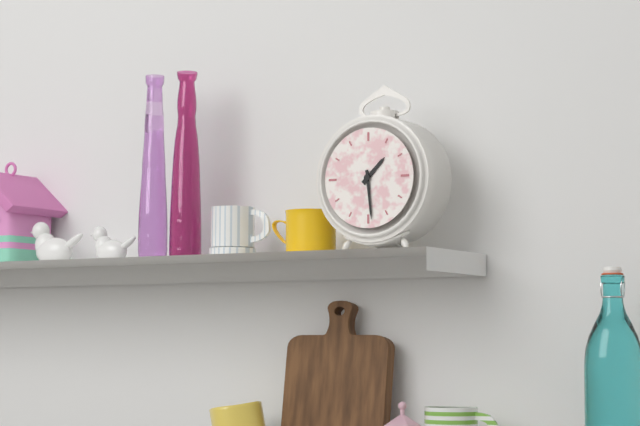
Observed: 1 h 29 min
